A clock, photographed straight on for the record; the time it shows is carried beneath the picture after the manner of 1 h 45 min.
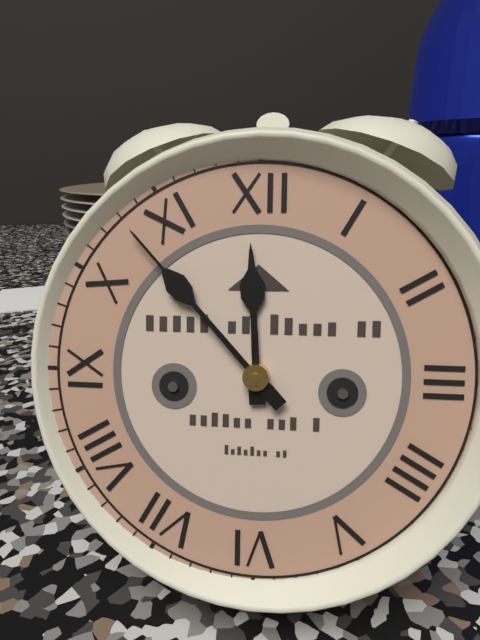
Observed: 11 h 53 min
